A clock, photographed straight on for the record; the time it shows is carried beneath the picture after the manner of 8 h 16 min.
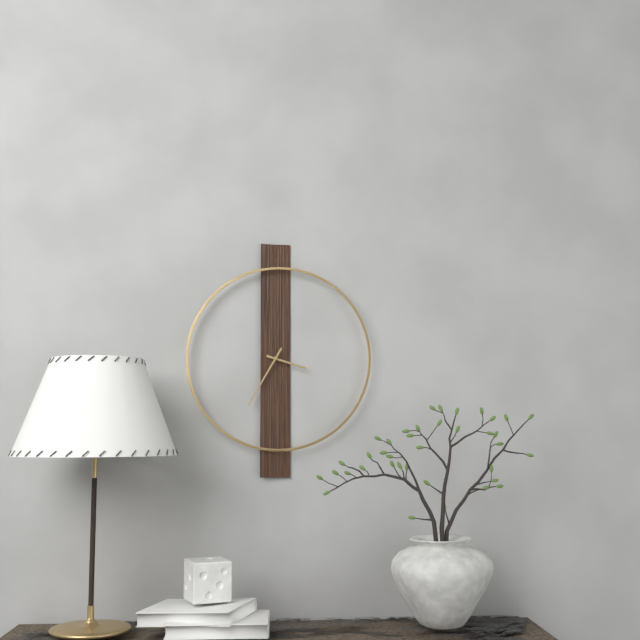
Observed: 3 h 35 min
